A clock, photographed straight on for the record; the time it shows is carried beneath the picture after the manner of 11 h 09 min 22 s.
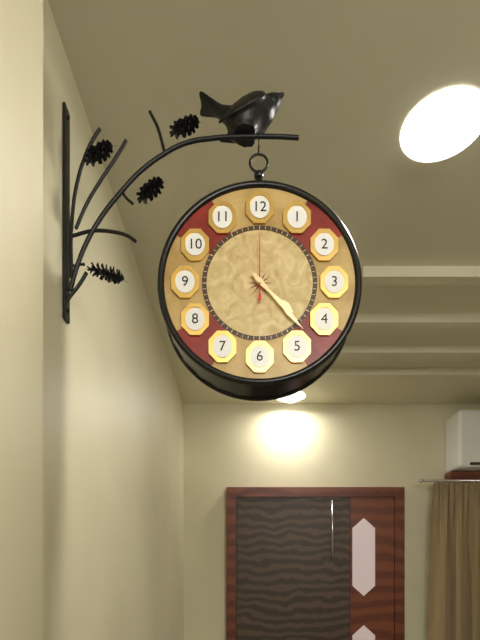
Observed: 4 h 23 min 00 s
